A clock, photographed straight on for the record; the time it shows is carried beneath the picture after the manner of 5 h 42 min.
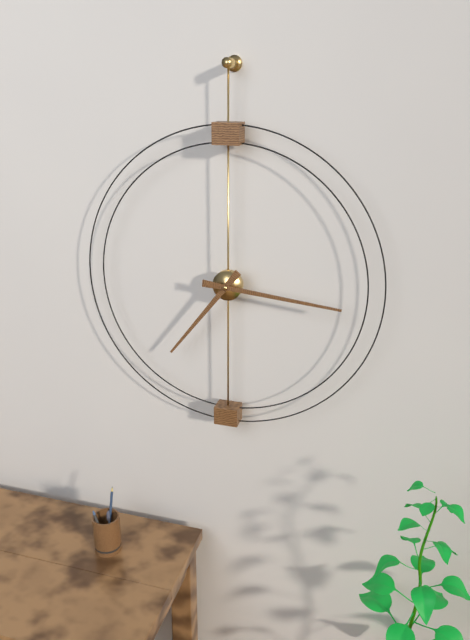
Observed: 7 h 16 min
